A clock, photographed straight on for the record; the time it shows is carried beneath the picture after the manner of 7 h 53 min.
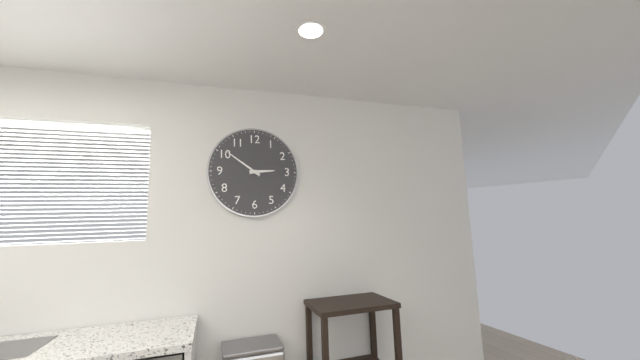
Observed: 2 h 51 min
